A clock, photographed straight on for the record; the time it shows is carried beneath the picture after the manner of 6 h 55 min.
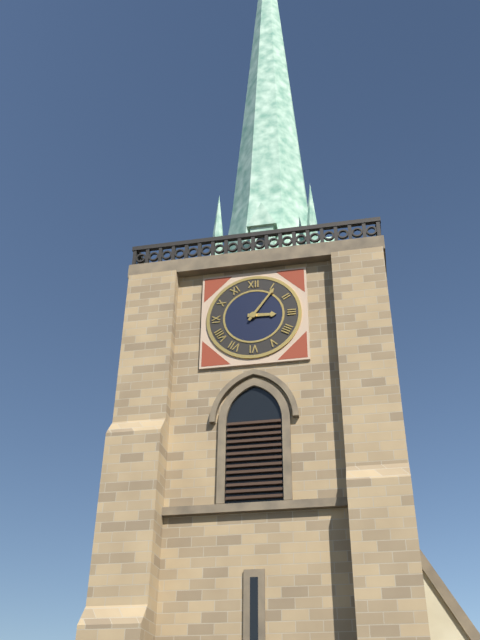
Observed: 3 h 06 min
